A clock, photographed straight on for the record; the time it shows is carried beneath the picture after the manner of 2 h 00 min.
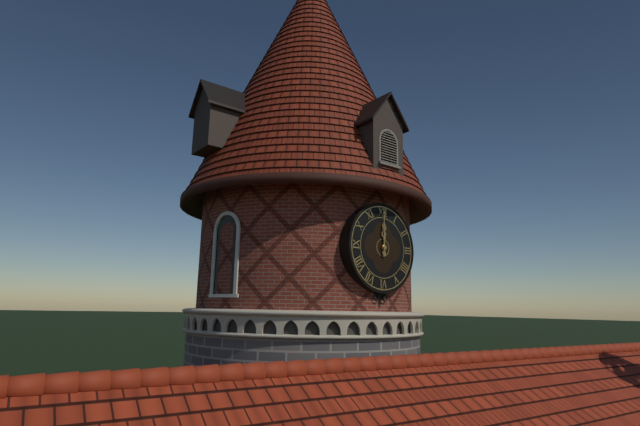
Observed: 12 h 00 min
